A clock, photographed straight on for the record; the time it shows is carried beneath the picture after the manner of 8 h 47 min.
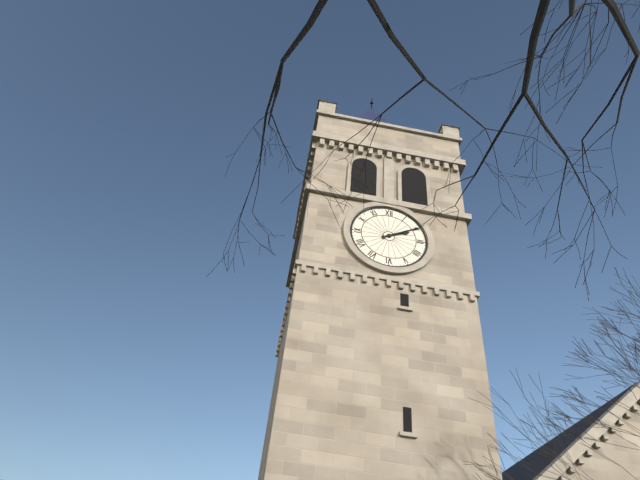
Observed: 2 h 10 min
